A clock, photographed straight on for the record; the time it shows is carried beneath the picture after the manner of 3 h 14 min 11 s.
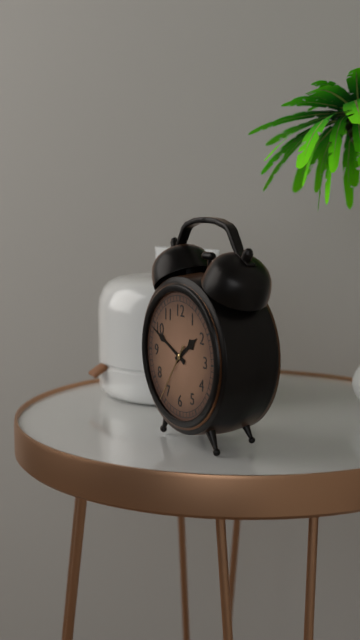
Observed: 1 h 49 min 36 s
